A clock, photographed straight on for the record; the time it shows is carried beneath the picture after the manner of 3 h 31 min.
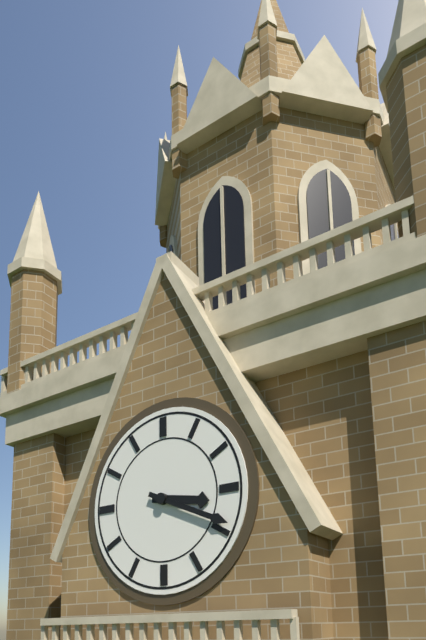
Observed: 3 h 19 min
